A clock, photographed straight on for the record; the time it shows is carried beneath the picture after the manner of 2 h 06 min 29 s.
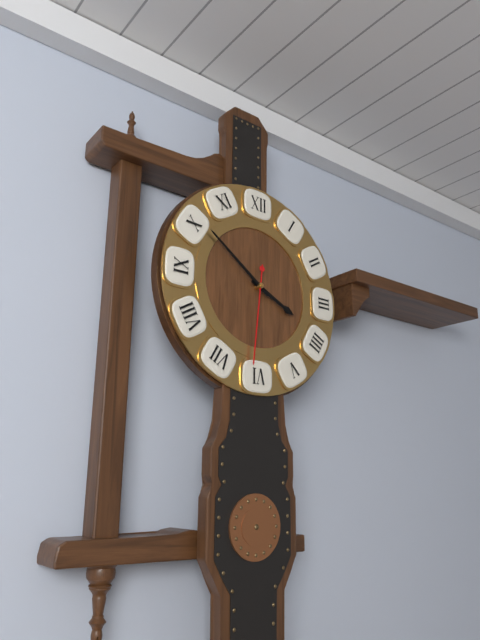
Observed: 3 h 51 min 31 s
